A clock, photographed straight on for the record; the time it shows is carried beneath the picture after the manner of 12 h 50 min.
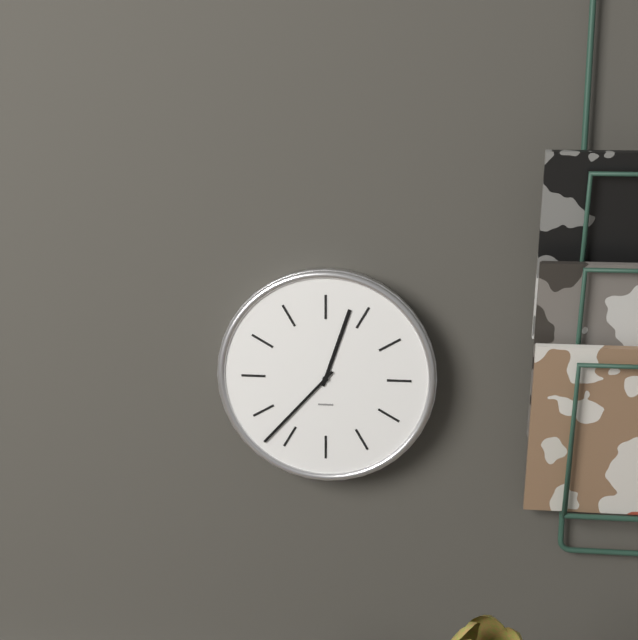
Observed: 12 h 37 min
